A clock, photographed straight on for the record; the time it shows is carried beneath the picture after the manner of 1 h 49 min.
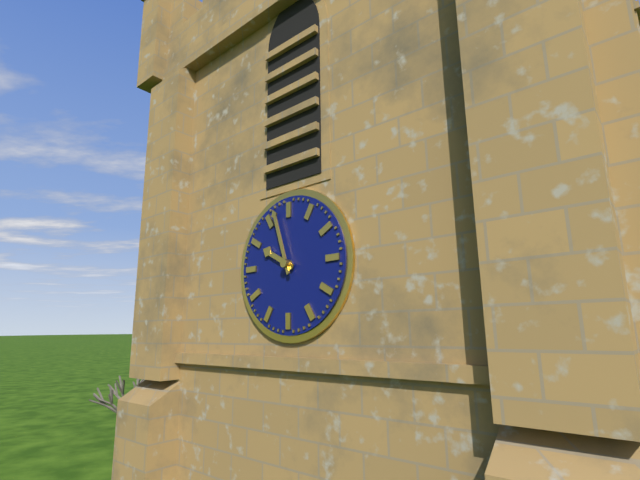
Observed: 9 h 57 min
